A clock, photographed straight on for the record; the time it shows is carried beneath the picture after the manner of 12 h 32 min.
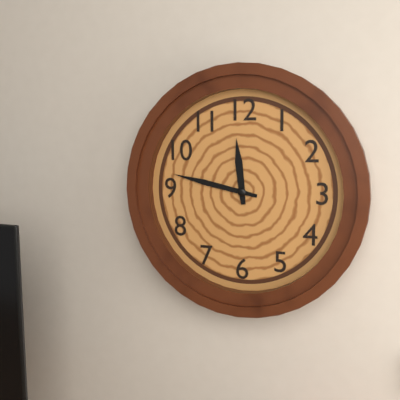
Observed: 11 h 47 min
